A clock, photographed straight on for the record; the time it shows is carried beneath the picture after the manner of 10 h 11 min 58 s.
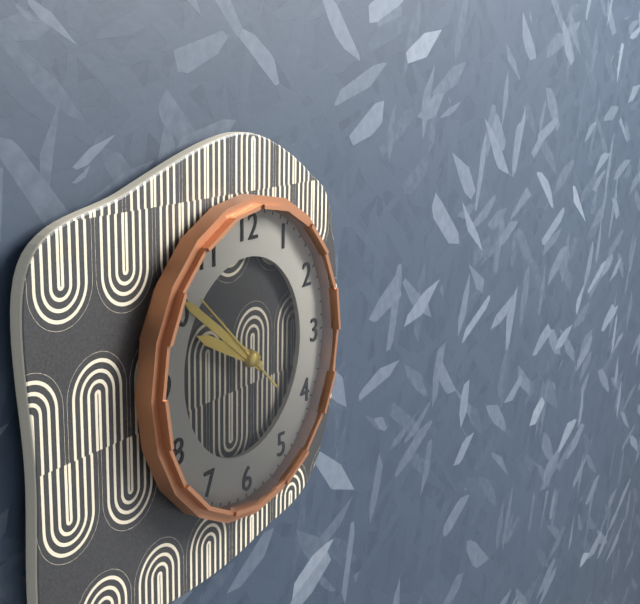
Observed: 9 h 51 min 52 s
